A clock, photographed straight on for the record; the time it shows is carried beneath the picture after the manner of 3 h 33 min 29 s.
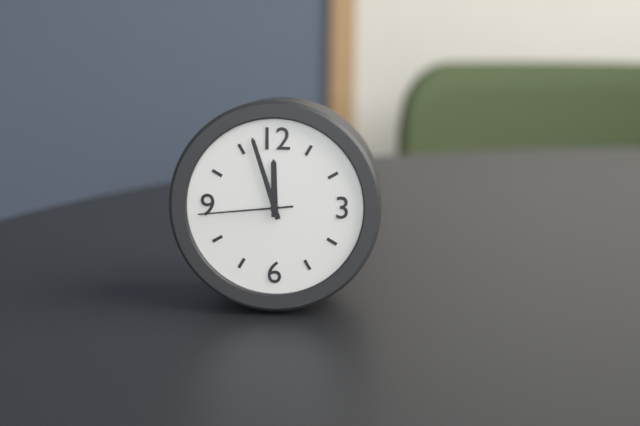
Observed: 11 h 57 min 44 s
